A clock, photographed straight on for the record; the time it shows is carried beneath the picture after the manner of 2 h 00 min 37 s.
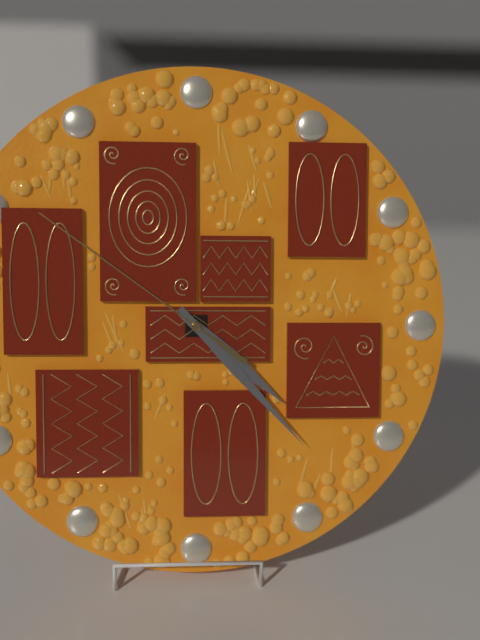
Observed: 4 h 23 min 51 s
